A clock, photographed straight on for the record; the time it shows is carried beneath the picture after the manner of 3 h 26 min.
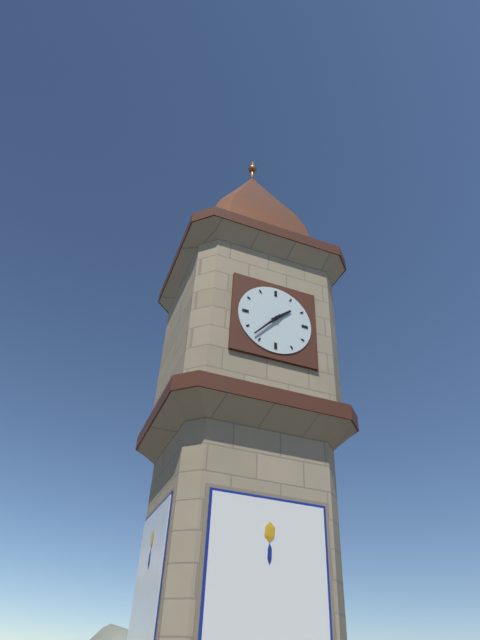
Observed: 1 h 37 min
